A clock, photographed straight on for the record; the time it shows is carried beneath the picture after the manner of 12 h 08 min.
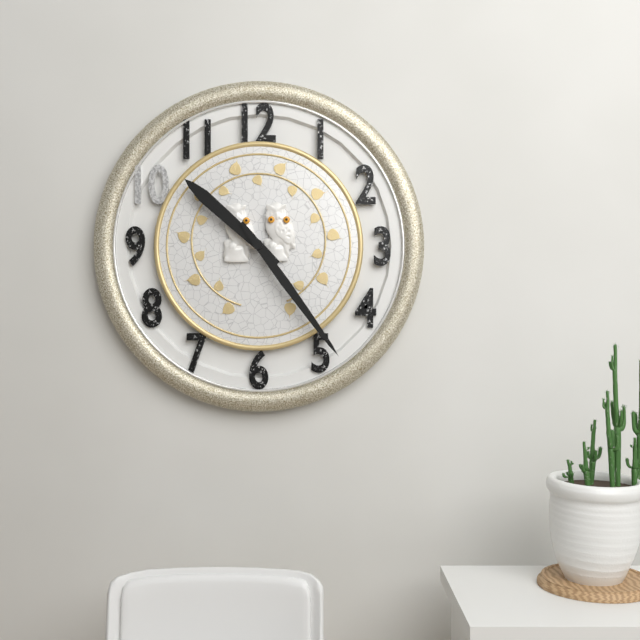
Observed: 10 h 24 min
